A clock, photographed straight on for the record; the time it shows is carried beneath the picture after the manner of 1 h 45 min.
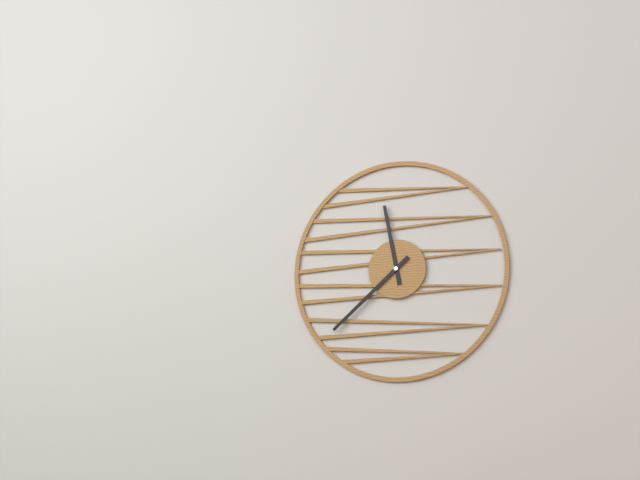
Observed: 11 h 38 min
